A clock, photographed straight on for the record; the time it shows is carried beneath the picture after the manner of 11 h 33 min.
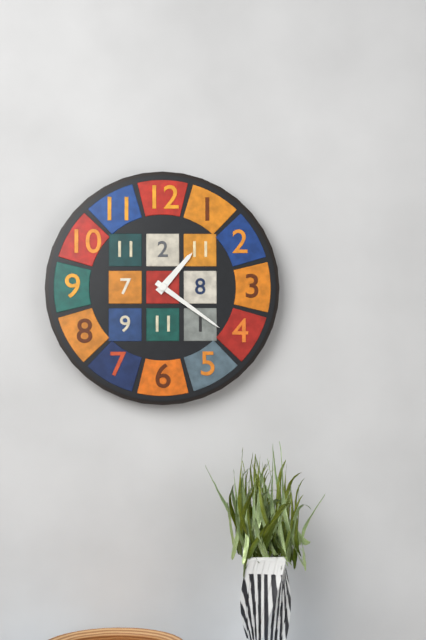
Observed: 1 h 21 min
